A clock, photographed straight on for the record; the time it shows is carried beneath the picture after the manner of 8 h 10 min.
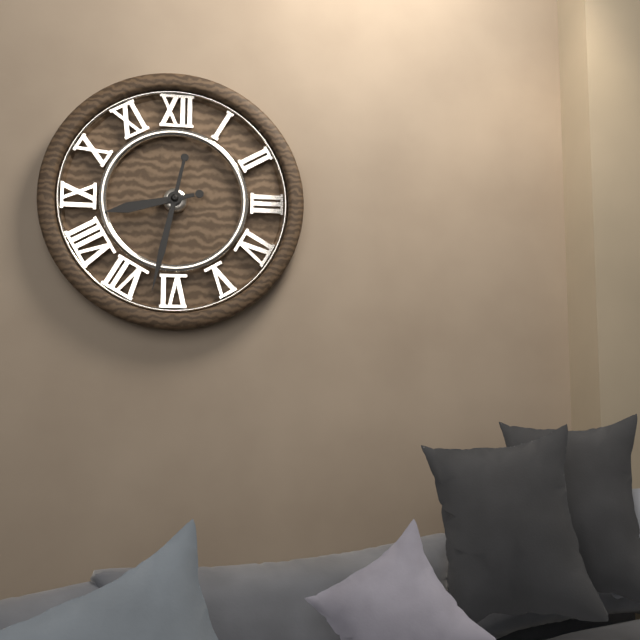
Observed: 8 h 32 min
